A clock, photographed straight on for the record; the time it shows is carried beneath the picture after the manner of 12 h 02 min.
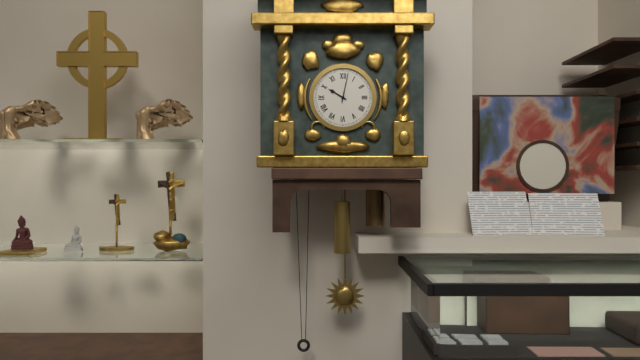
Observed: 10 h 02 min
